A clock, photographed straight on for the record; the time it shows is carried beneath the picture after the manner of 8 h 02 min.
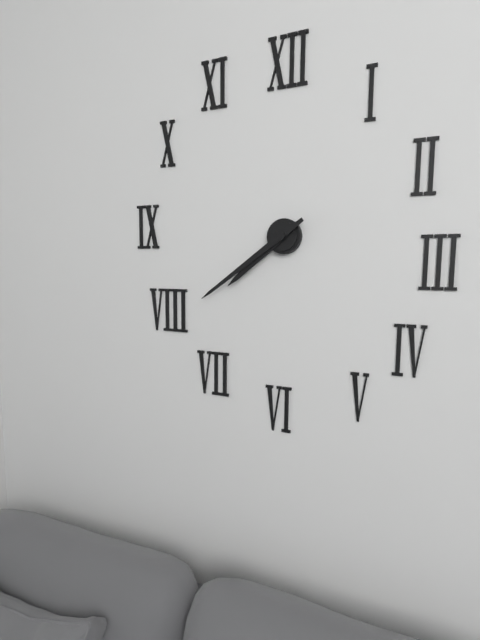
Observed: 7 h 39 min
